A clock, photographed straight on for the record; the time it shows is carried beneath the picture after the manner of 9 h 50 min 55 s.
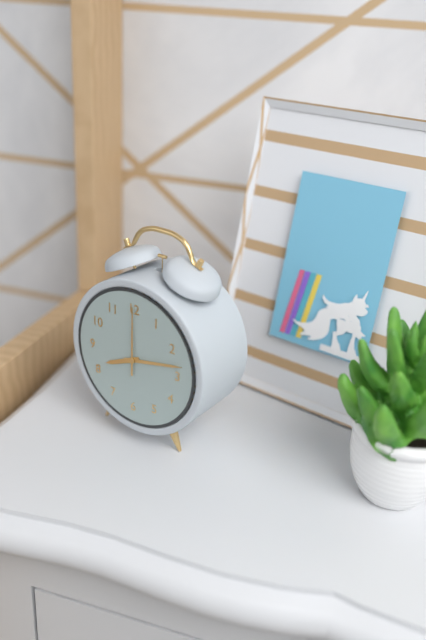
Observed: 8 h 13 min 00 s
